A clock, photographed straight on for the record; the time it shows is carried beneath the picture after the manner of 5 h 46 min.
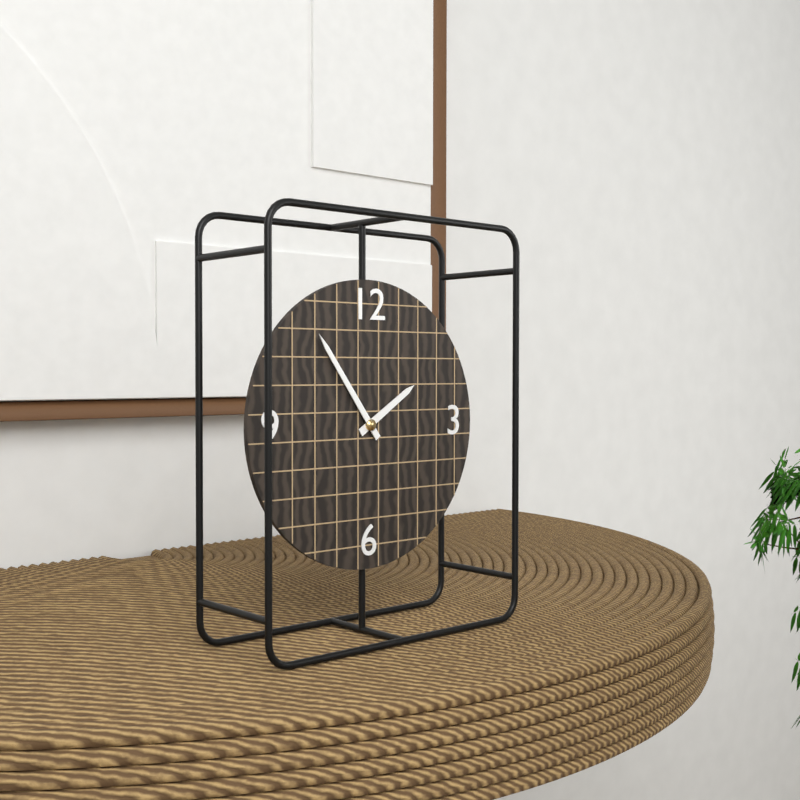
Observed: 1 h 54 min
